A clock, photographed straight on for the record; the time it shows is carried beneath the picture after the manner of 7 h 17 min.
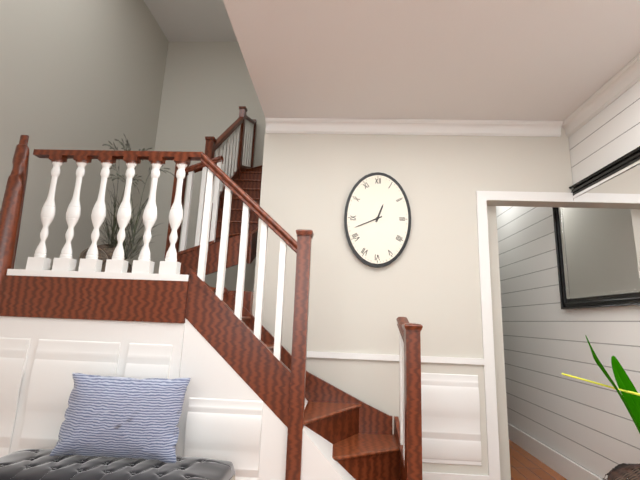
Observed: 12 h 41 min
